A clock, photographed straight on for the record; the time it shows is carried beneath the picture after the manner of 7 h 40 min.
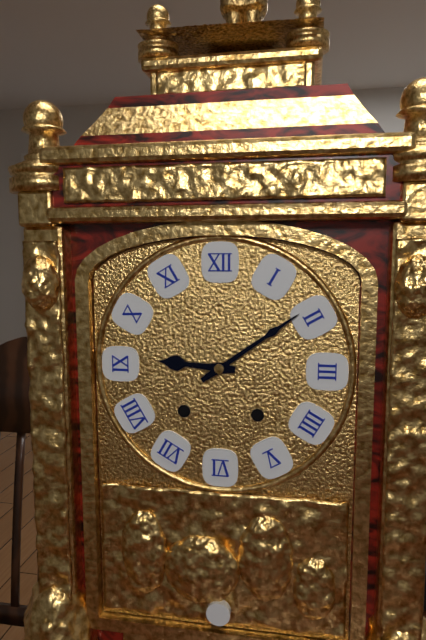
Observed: 9 h 09 min
